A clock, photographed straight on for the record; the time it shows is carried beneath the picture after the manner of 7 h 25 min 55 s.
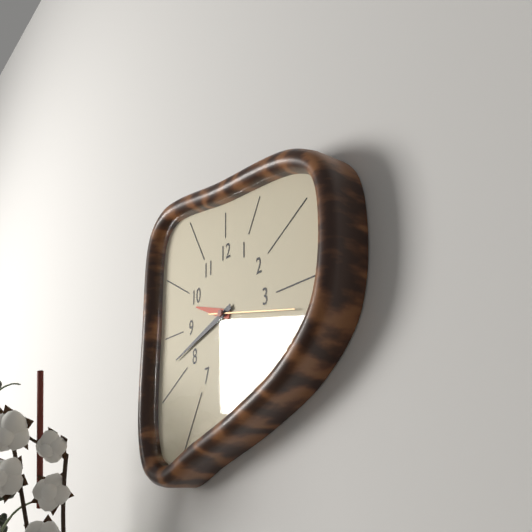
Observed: 9 h 42 min 17 s
